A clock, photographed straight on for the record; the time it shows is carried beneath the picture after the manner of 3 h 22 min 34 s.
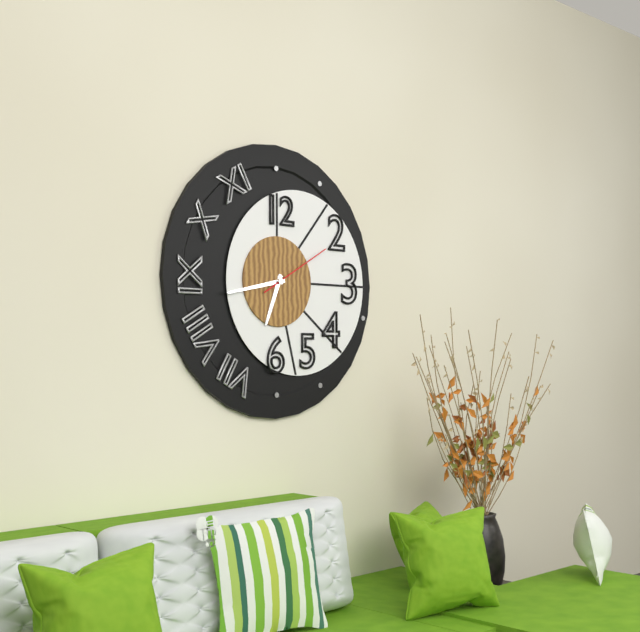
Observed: 6 h 43 min 10 s
